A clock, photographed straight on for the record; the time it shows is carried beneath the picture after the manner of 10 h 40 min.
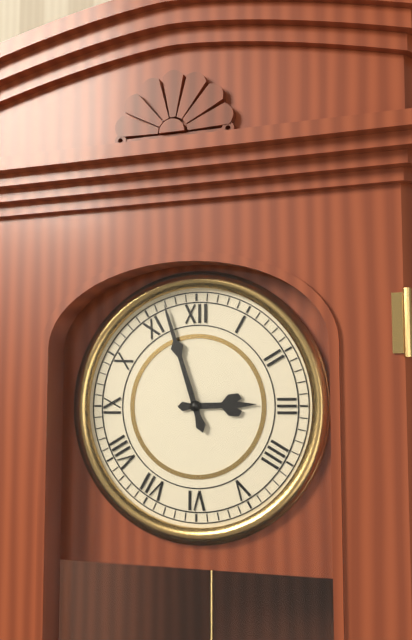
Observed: 2 h 57 min
